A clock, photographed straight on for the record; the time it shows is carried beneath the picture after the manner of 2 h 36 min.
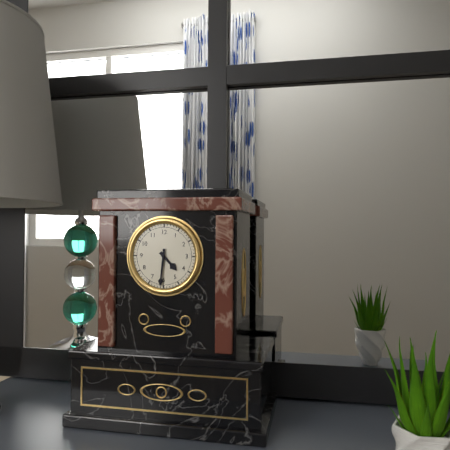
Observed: 4 h 31 min
